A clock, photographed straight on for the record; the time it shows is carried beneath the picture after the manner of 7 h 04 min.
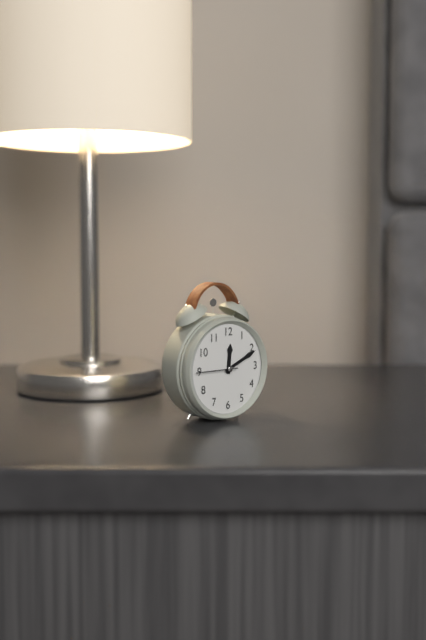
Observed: 12 h 11 min
